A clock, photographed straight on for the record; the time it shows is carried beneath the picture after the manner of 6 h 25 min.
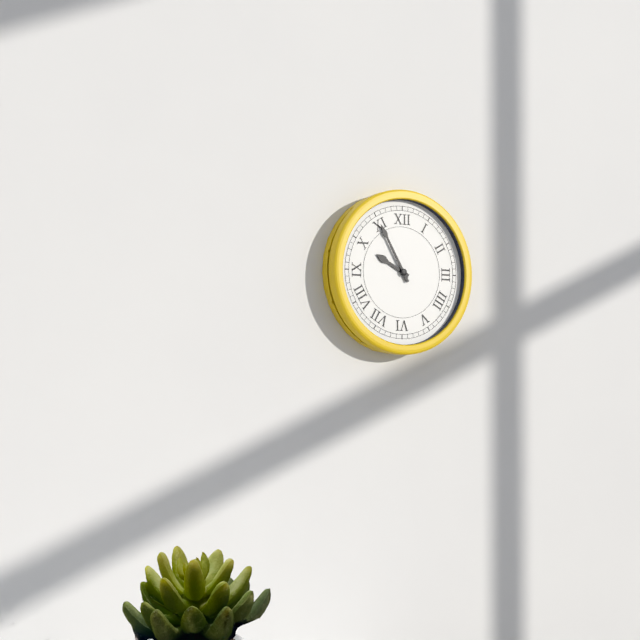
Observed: 9 h 55 min
